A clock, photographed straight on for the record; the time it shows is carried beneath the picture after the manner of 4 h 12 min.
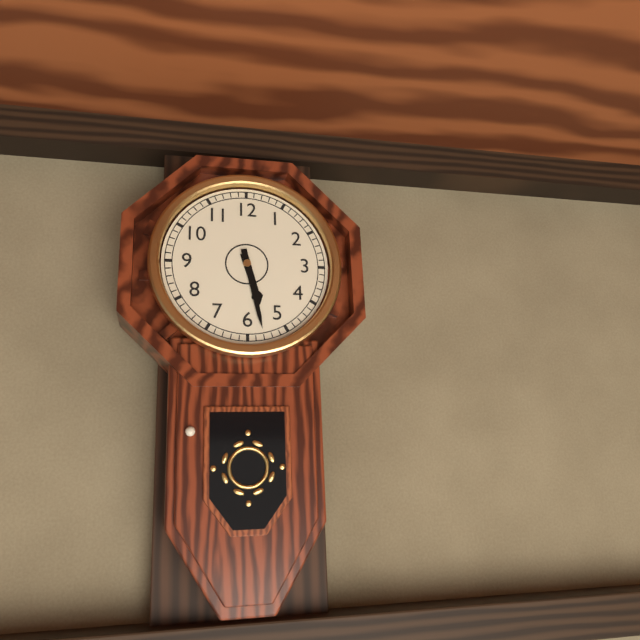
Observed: 5 h 28 min
